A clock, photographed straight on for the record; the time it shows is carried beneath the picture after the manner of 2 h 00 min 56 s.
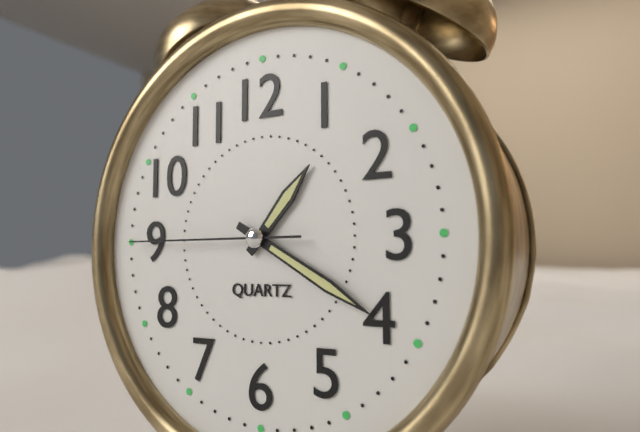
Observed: 1 h 20 min 45 s
